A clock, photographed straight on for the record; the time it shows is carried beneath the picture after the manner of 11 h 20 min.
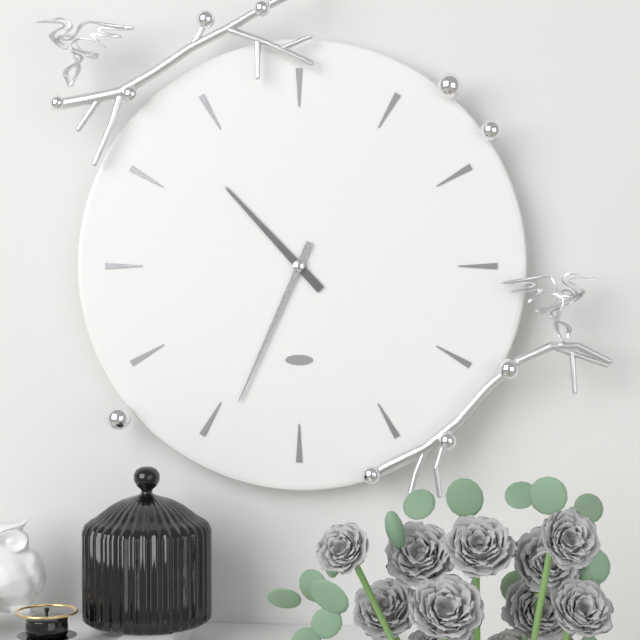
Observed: 10 h 34 min
